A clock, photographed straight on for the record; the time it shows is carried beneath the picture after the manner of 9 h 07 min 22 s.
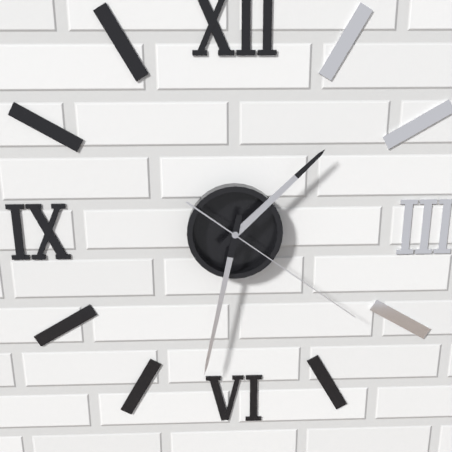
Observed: 1 h 32 min 21 s
